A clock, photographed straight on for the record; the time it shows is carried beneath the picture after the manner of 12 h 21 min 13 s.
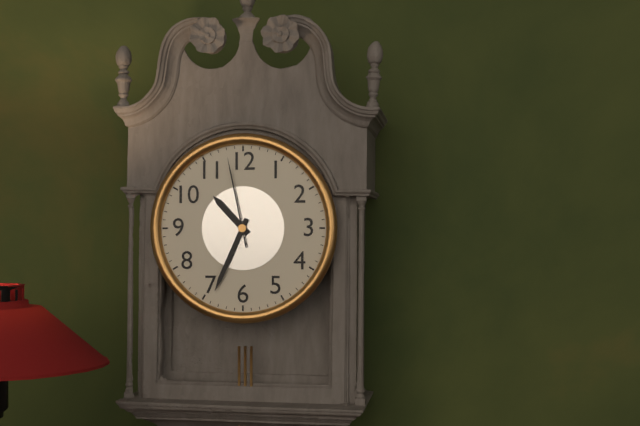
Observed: 10 h 34 min 58 s
